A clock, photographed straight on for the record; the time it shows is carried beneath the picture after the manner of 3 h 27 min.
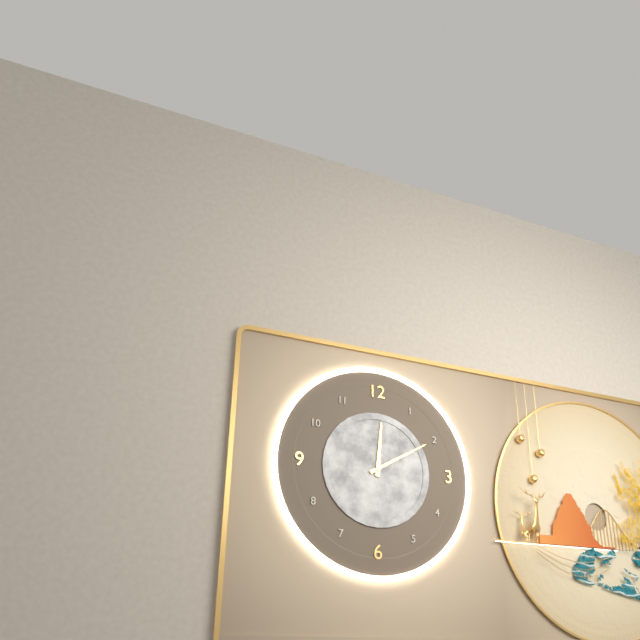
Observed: 12 h 10 min
